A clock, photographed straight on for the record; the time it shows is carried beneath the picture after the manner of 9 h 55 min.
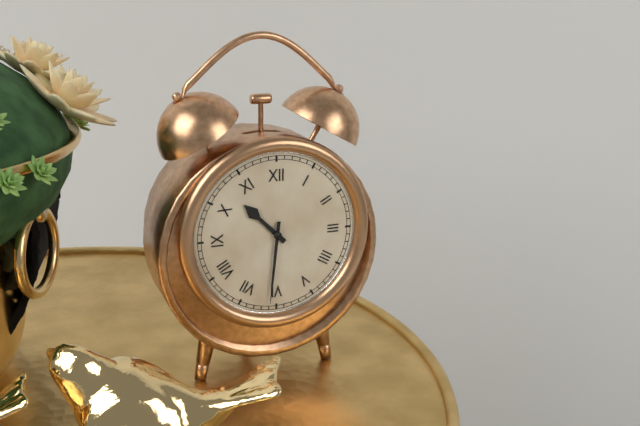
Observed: 10 h 31 min
